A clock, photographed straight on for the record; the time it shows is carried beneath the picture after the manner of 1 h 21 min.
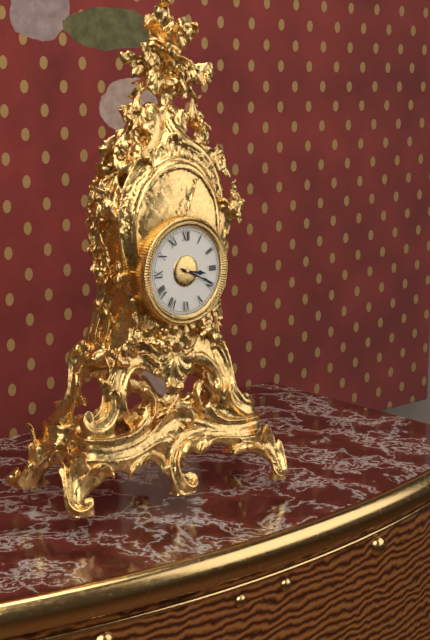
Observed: 3 h 19 min
